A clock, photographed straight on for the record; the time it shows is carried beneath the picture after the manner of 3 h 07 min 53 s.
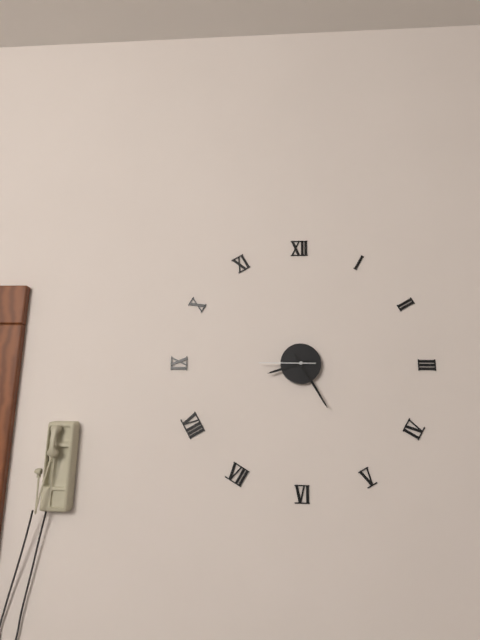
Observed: 8 h 25 min 45 s
